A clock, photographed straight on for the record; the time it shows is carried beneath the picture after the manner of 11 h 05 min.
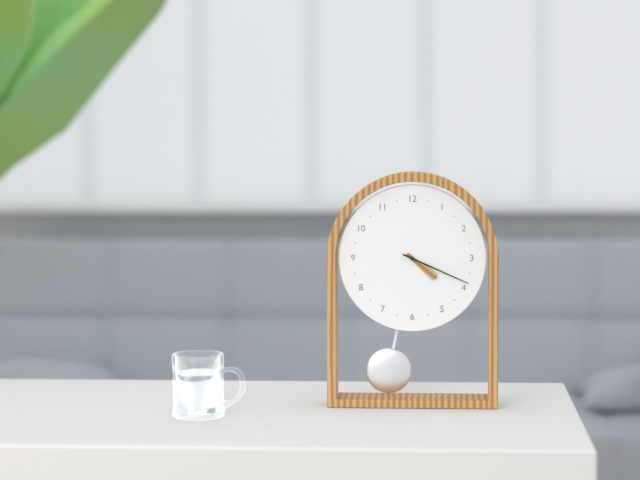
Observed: 4 h 19 min
